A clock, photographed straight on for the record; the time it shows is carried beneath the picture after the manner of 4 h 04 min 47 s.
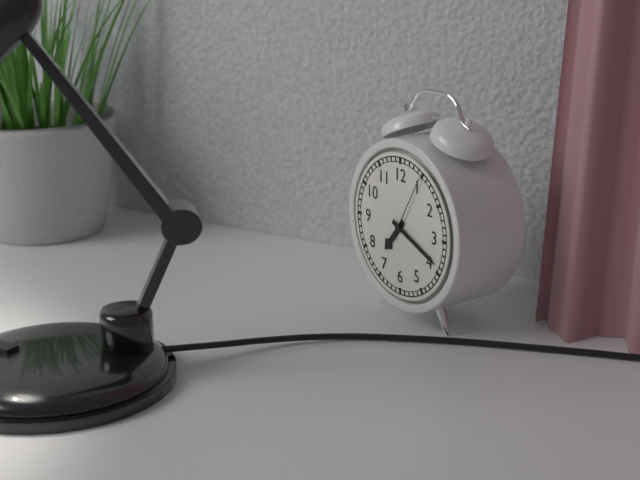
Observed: 7 h 19 min 05 s
